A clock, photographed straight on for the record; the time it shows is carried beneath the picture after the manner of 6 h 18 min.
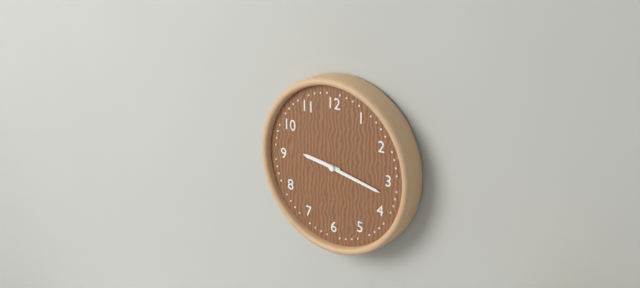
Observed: 9 h 17 min
